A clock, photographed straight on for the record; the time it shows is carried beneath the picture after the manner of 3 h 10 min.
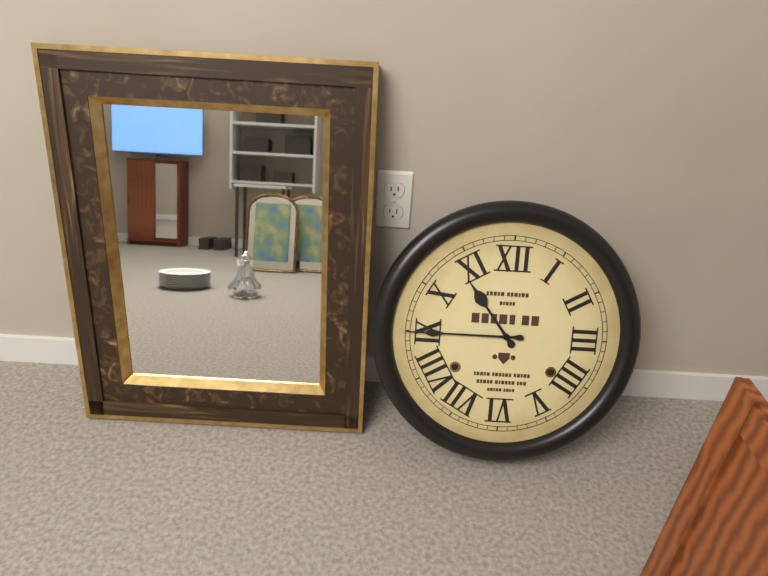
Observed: 10 h 45 min
